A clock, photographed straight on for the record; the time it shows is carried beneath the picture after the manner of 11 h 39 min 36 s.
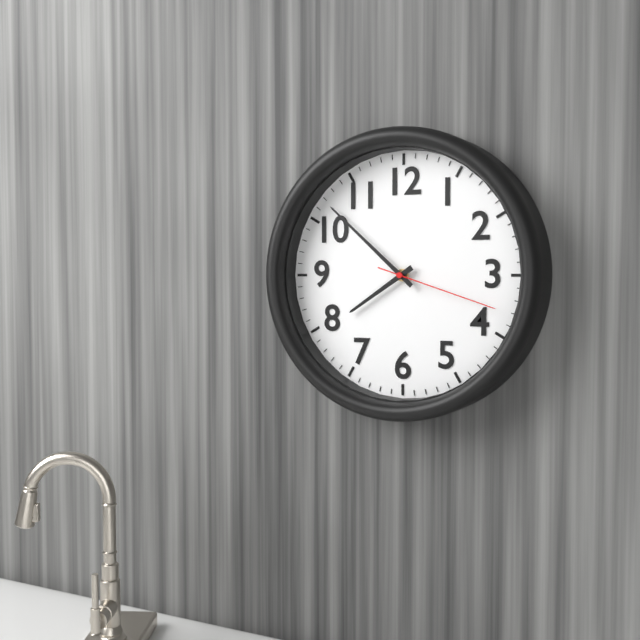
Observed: 7 h 52 min 18 s
